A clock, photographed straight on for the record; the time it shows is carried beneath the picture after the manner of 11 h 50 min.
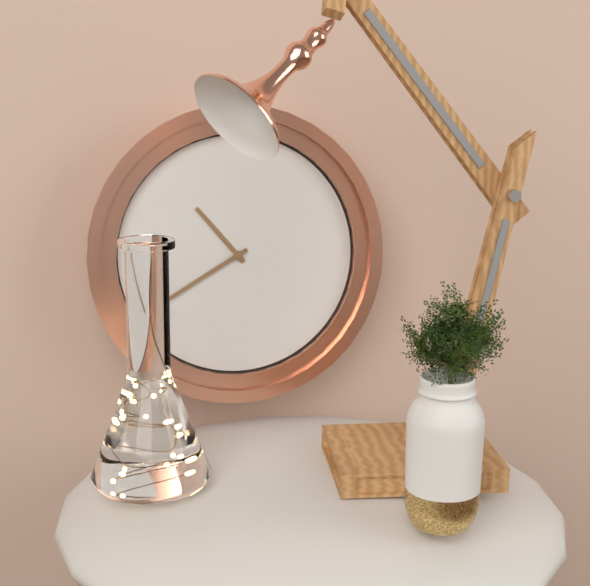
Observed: 10 h 40 min
